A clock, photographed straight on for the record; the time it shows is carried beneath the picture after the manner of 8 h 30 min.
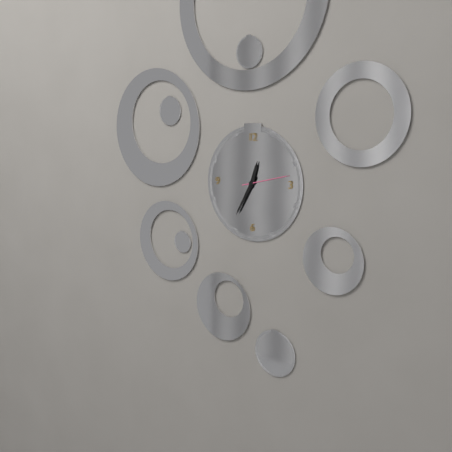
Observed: 12 h 35 min
